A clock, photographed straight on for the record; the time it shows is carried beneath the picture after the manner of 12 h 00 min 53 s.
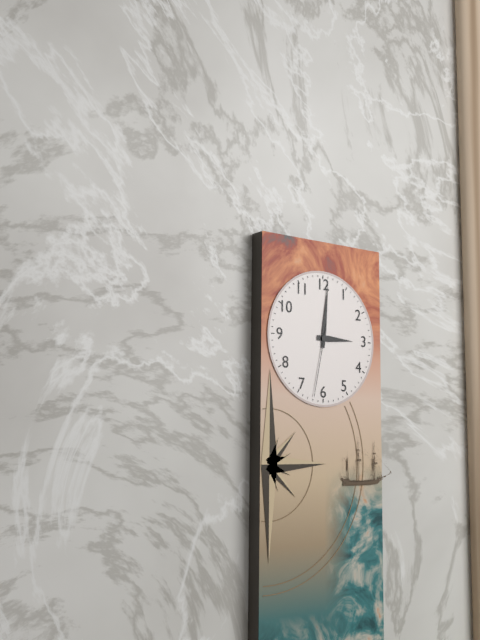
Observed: 3 h 01 min 32 s
